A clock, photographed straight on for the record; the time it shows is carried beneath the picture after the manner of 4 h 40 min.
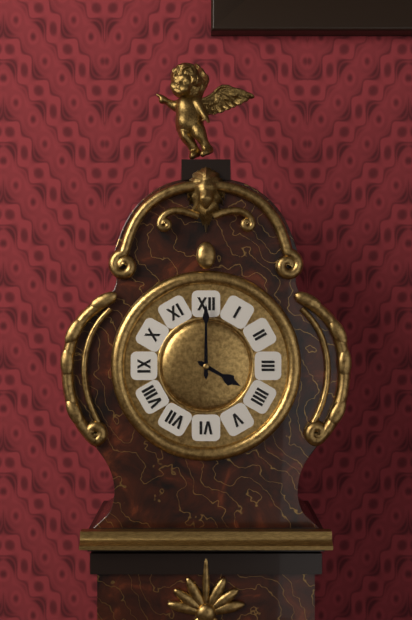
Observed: 4 h 00 min
